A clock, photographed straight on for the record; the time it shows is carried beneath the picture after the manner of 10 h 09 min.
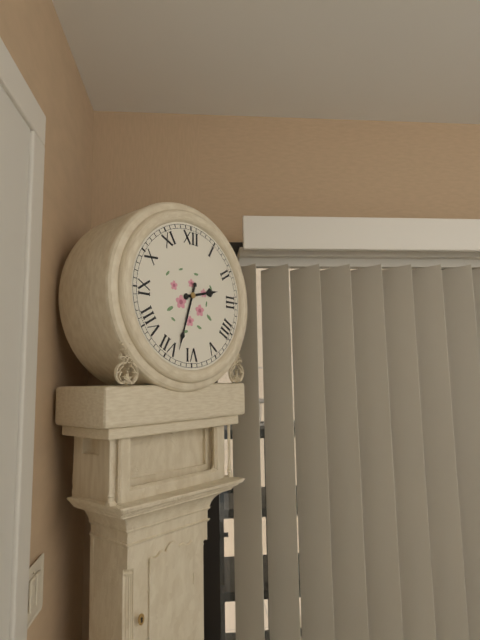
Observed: 2 h 33 min
